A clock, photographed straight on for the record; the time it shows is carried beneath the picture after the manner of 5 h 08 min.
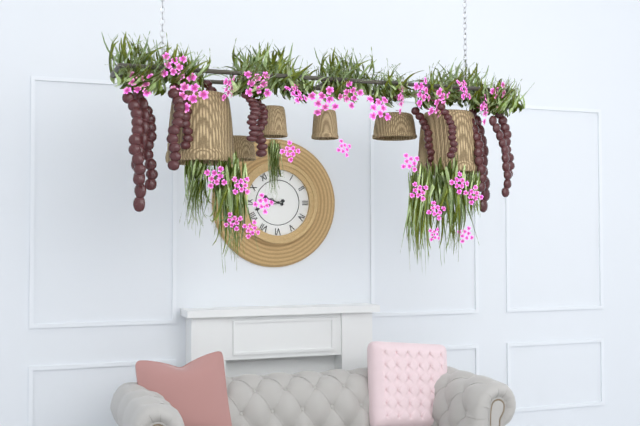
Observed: 9 h 42 min
